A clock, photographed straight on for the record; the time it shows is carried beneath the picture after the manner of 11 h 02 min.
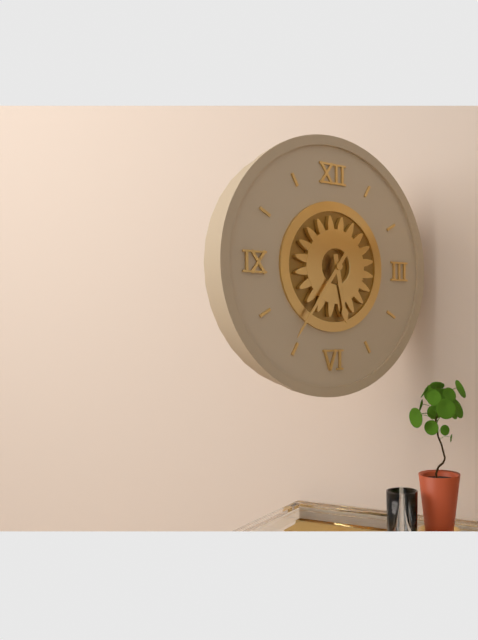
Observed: 5 h 36 min
